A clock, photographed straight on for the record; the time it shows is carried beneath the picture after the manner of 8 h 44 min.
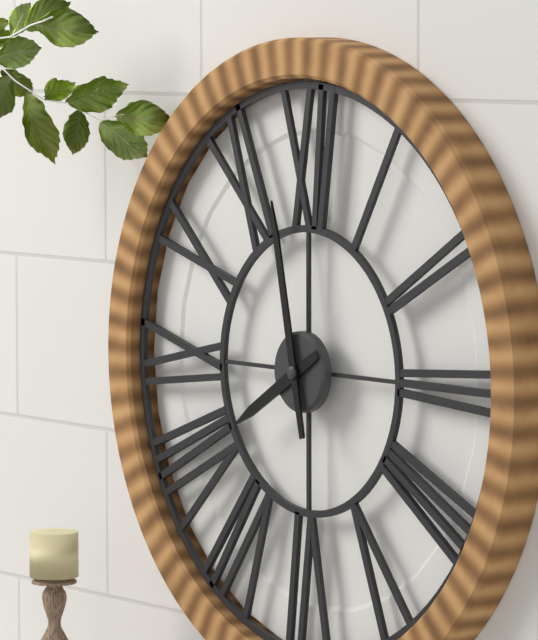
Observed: 7 h 58 min
